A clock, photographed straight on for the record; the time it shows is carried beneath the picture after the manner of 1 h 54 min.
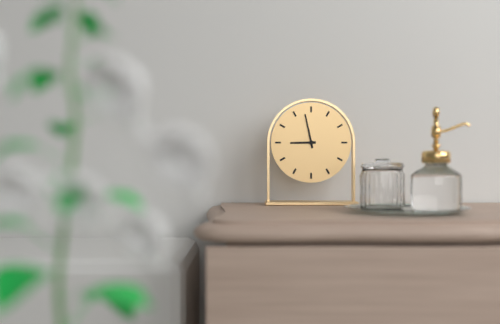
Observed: 8 h 58 min
